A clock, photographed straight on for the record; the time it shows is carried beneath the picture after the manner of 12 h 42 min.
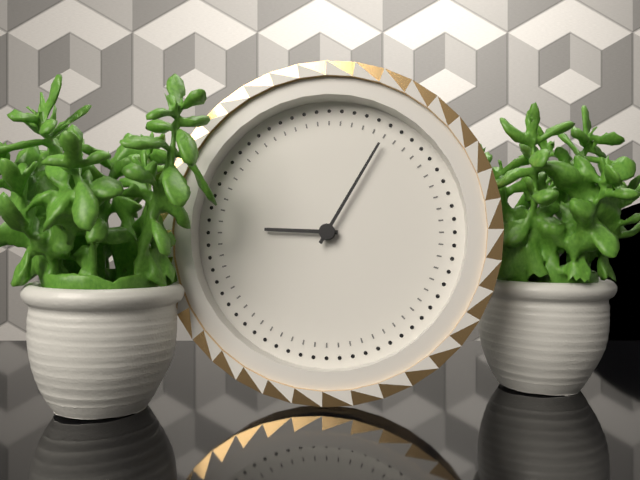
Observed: 9 h 05 min
